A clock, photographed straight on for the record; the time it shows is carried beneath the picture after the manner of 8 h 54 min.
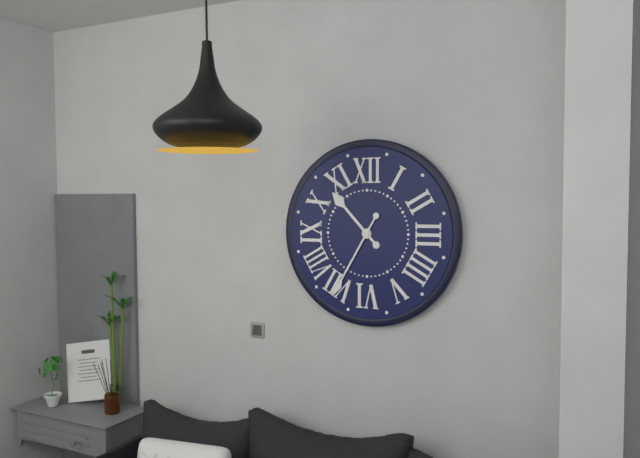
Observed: 10 h 35 min
